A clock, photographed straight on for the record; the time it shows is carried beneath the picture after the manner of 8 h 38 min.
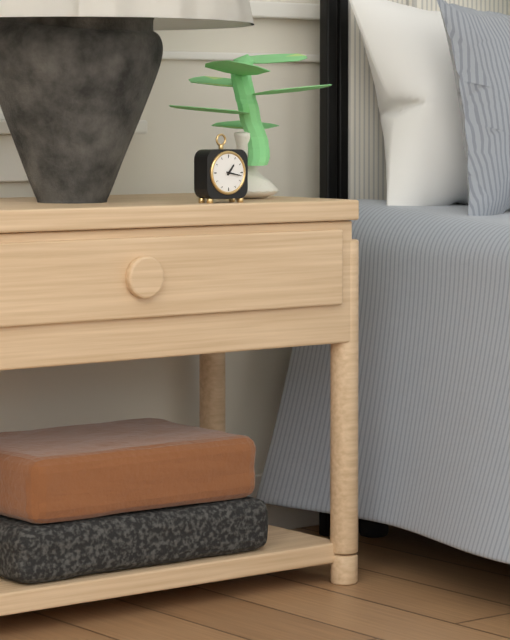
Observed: 1 h 17 min
